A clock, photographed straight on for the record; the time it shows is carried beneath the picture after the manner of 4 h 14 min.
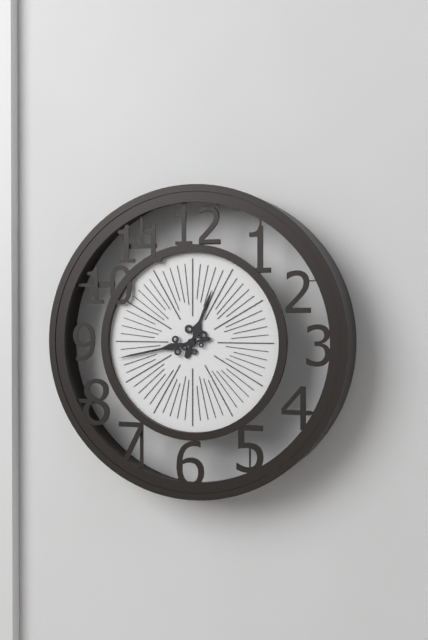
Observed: 12 h 43 min
